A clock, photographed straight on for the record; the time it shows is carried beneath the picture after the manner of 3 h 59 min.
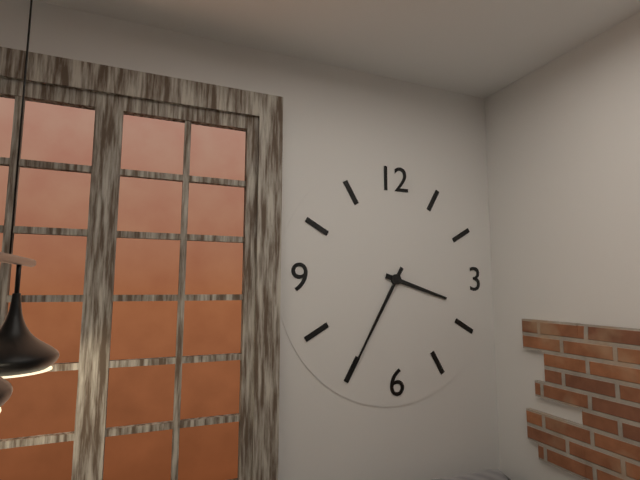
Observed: 3 h 35 min
